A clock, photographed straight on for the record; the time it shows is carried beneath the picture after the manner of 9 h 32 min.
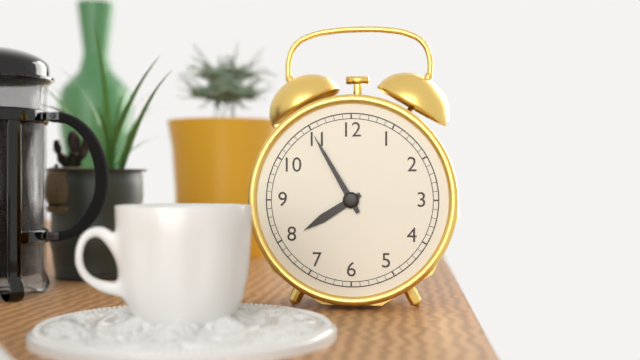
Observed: 7 h 55 min
